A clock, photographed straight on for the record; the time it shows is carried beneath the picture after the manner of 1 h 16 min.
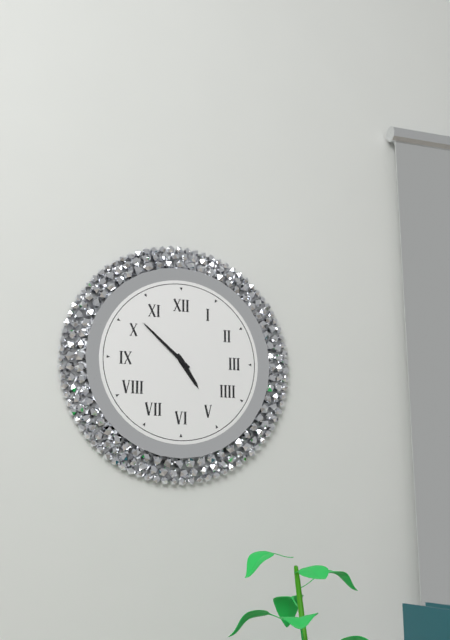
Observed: 4 h 52 min
